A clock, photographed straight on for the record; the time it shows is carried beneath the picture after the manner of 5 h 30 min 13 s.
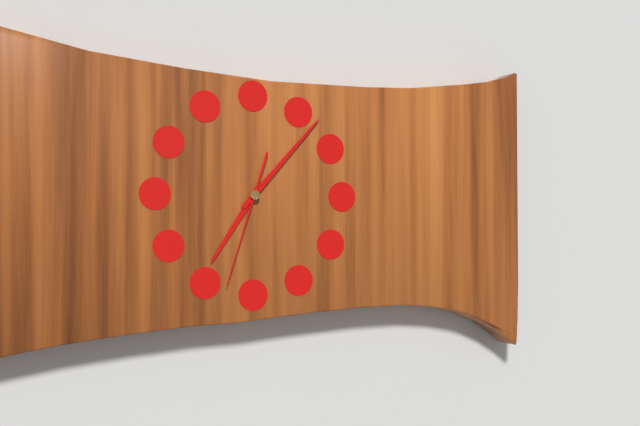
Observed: 7 h 07 min 33 s
